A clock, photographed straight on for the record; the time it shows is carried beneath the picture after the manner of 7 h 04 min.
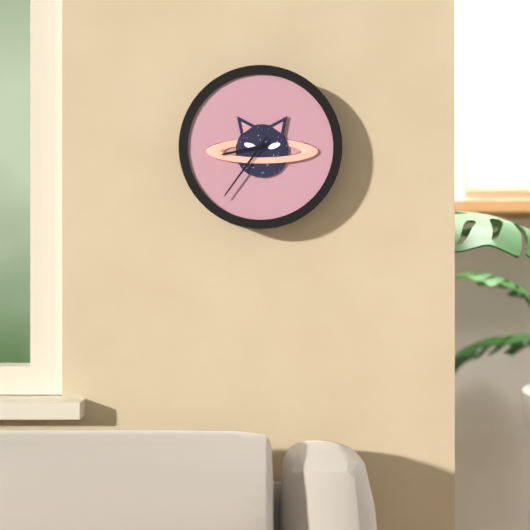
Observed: 8 h 36 min
